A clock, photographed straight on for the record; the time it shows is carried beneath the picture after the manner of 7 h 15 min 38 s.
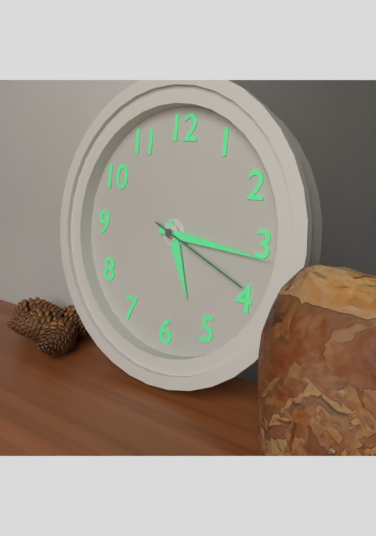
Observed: 5 h 16 min 19 s
